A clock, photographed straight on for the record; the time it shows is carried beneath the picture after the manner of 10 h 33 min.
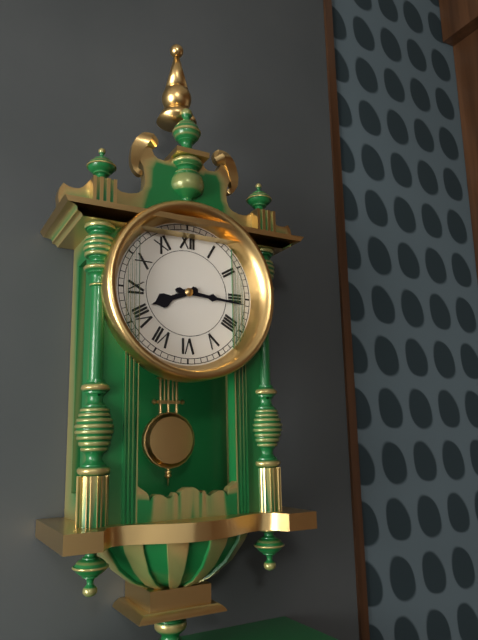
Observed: 8 h 16 min
